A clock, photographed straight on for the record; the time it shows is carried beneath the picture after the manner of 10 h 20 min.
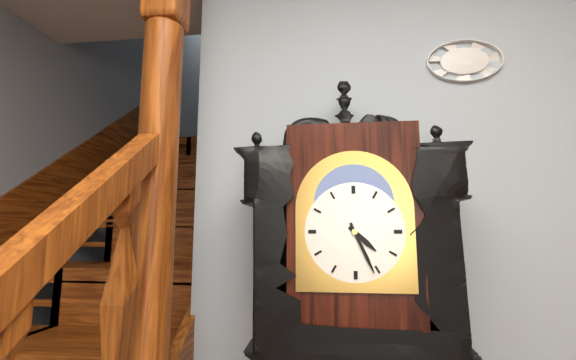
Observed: 4 h 26 min
